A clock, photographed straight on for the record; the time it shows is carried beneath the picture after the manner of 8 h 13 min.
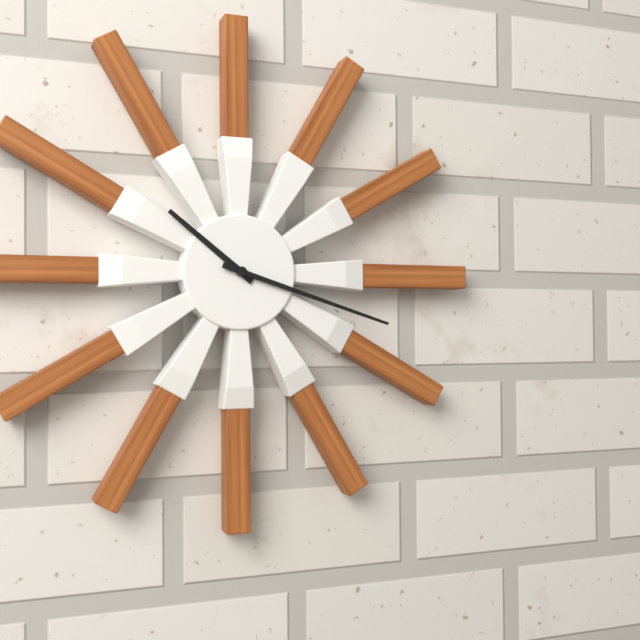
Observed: 10 h 18 min
